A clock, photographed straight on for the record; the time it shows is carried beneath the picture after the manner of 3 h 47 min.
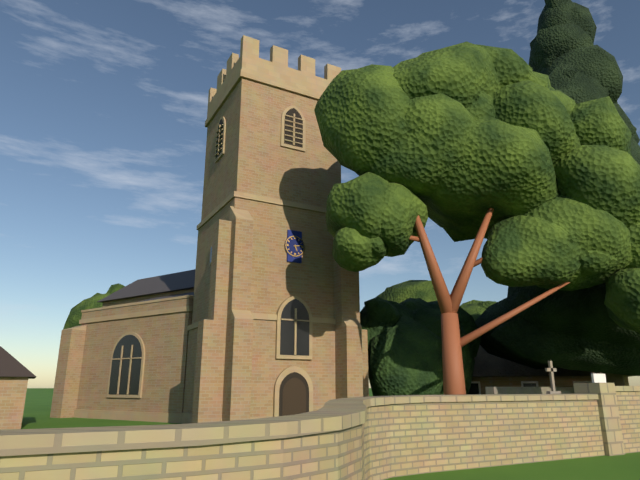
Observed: 5 h 13 min
